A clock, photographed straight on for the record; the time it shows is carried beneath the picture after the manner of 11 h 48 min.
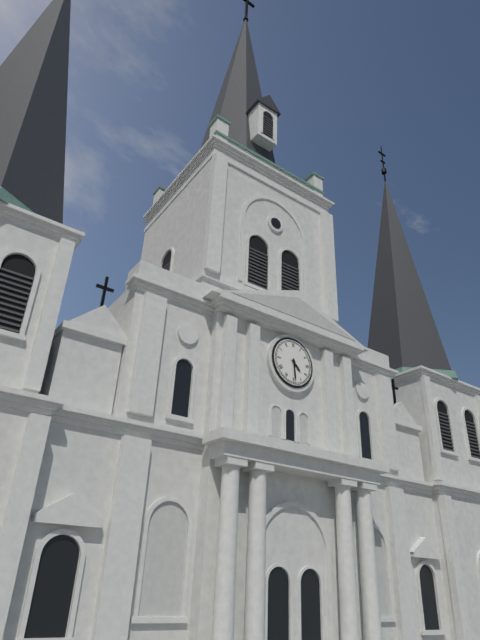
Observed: 4 h 29 min
